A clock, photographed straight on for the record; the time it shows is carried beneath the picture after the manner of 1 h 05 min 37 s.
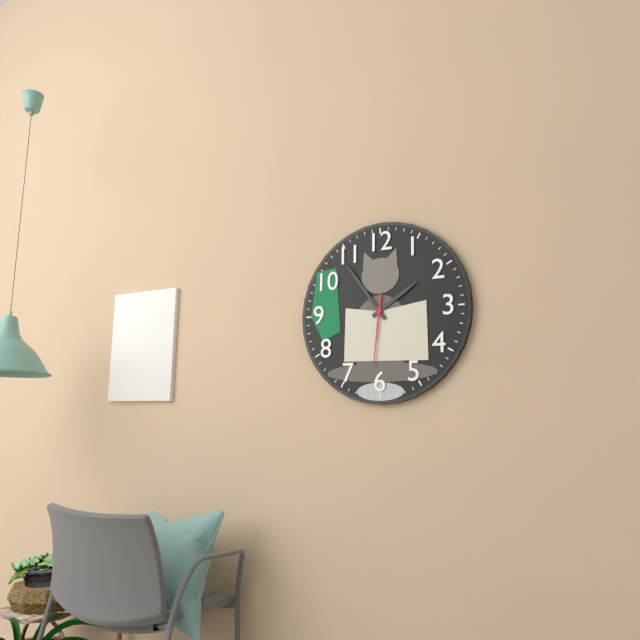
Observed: 1 h 54 min 31 s
